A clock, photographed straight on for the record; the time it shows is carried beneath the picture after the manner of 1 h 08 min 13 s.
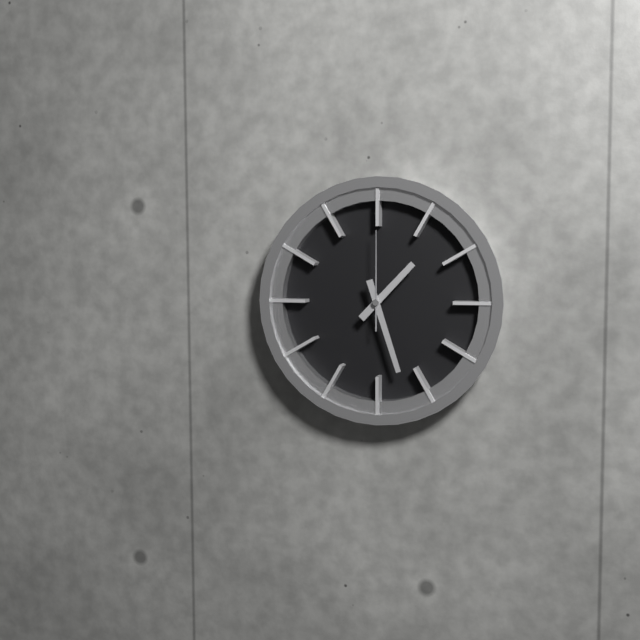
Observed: 1 h 27 min 00 s
